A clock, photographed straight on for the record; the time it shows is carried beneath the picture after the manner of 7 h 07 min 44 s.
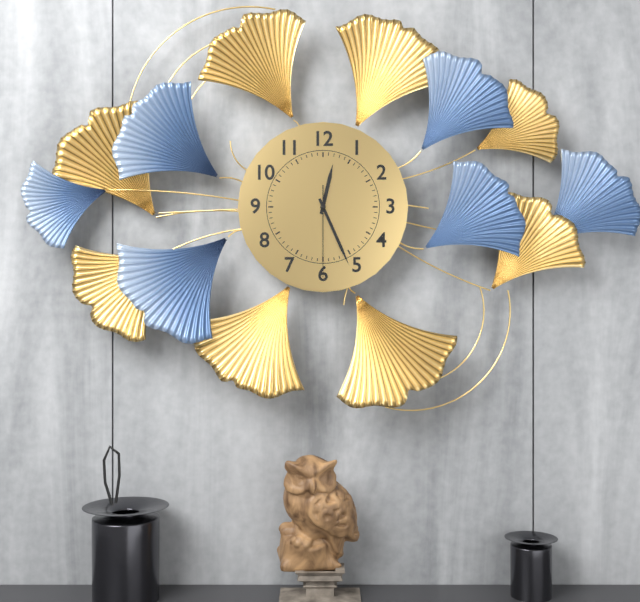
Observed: 12 h 26 min 30 s
